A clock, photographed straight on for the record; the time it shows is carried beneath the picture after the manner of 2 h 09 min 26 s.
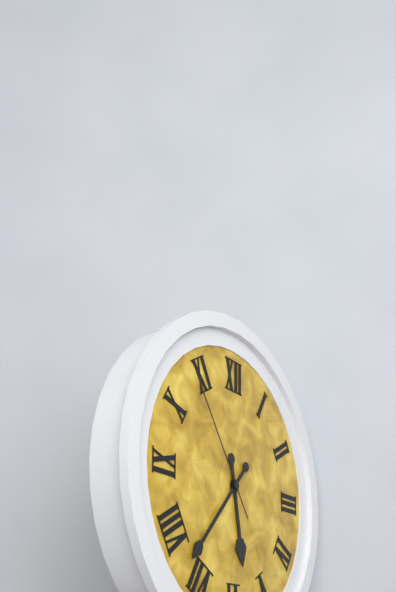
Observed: 5 h 37 min 54 s
